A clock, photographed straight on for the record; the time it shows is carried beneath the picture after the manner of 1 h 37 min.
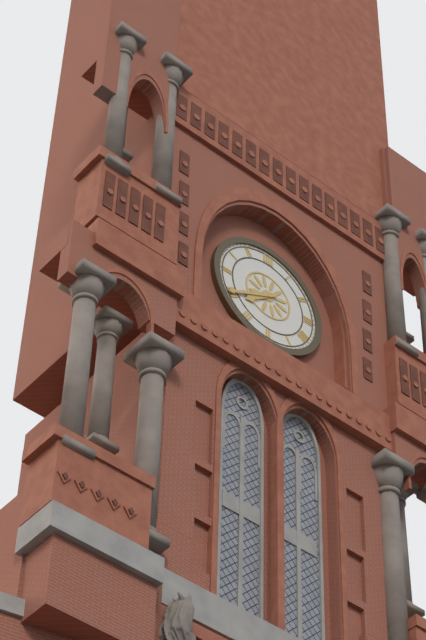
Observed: 7 h 40 min
